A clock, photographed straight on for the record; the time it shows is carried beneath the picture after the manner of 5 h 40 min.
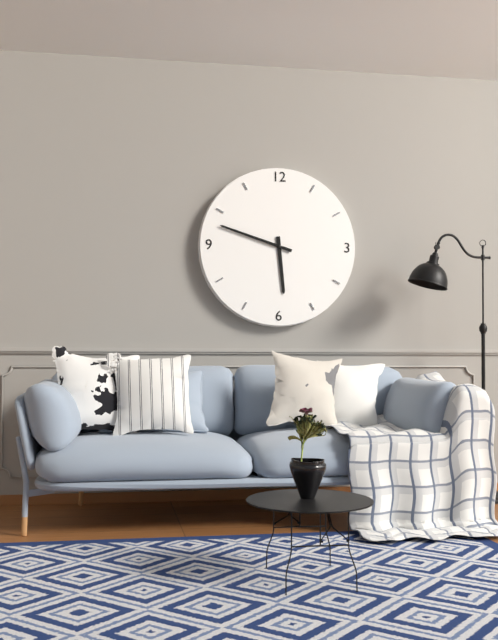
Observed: 5 h 48 min
